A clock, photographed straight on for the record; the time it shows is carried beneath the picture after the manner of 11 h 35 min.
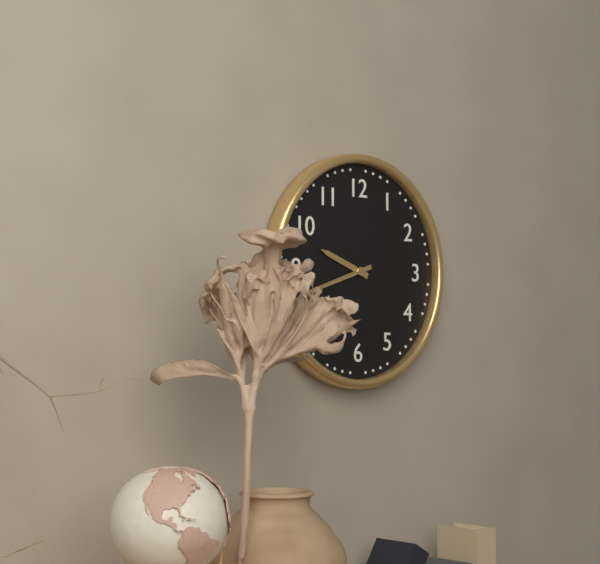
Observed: 9 h 42 min
